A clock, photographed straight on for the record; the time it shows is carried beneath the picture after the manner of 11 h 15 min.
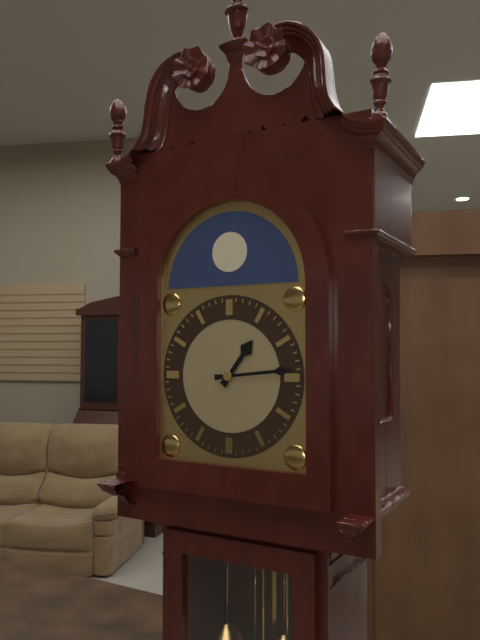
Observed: 1 h 14 min
